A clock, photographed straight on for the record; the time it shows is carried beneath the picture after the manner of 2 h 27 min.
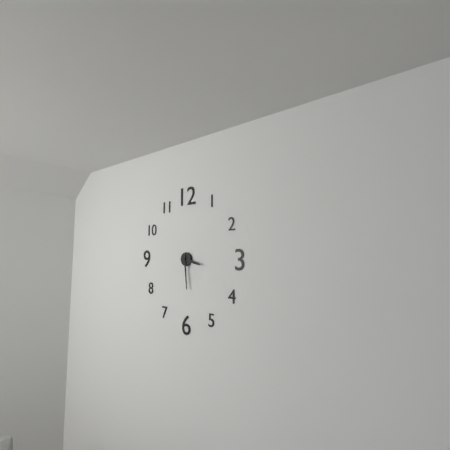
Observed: 3 h 29 min
